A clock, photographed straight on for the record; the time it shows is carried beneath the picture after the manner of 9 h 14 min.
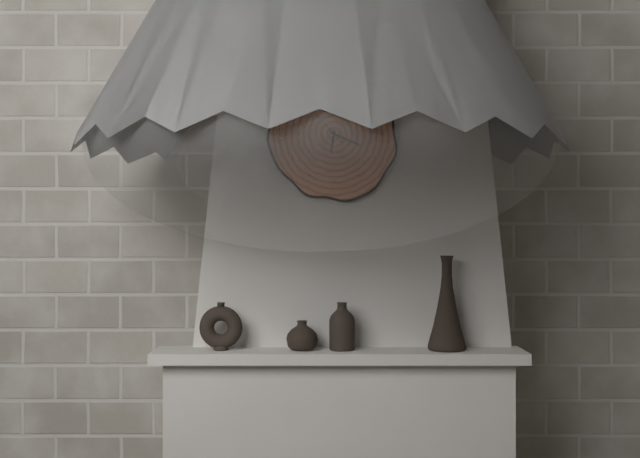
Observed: 6 h 19 min
